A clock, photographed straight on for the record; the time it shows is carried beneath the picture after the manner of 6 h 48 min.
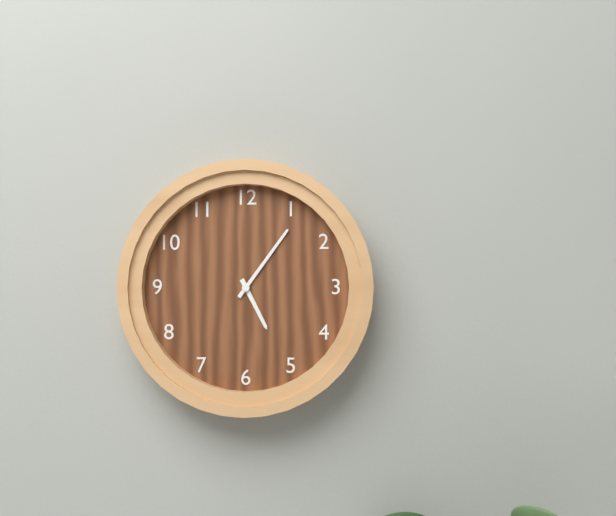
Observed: 5 h 06 min
